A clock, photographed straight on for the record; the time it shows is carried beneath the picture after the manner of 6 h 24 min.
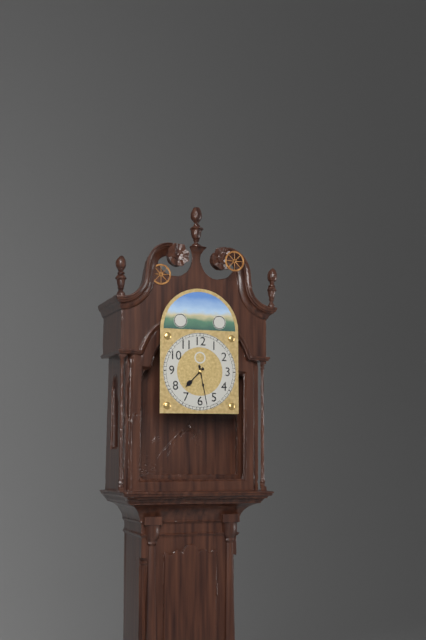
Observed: 7 h 28 min
